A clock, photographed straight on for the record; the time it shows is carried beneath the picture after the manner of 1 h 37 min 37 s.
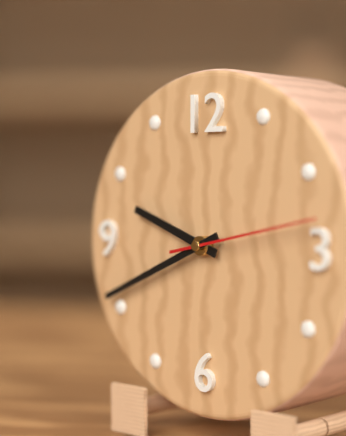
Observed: 9 h 41 min 13 s
